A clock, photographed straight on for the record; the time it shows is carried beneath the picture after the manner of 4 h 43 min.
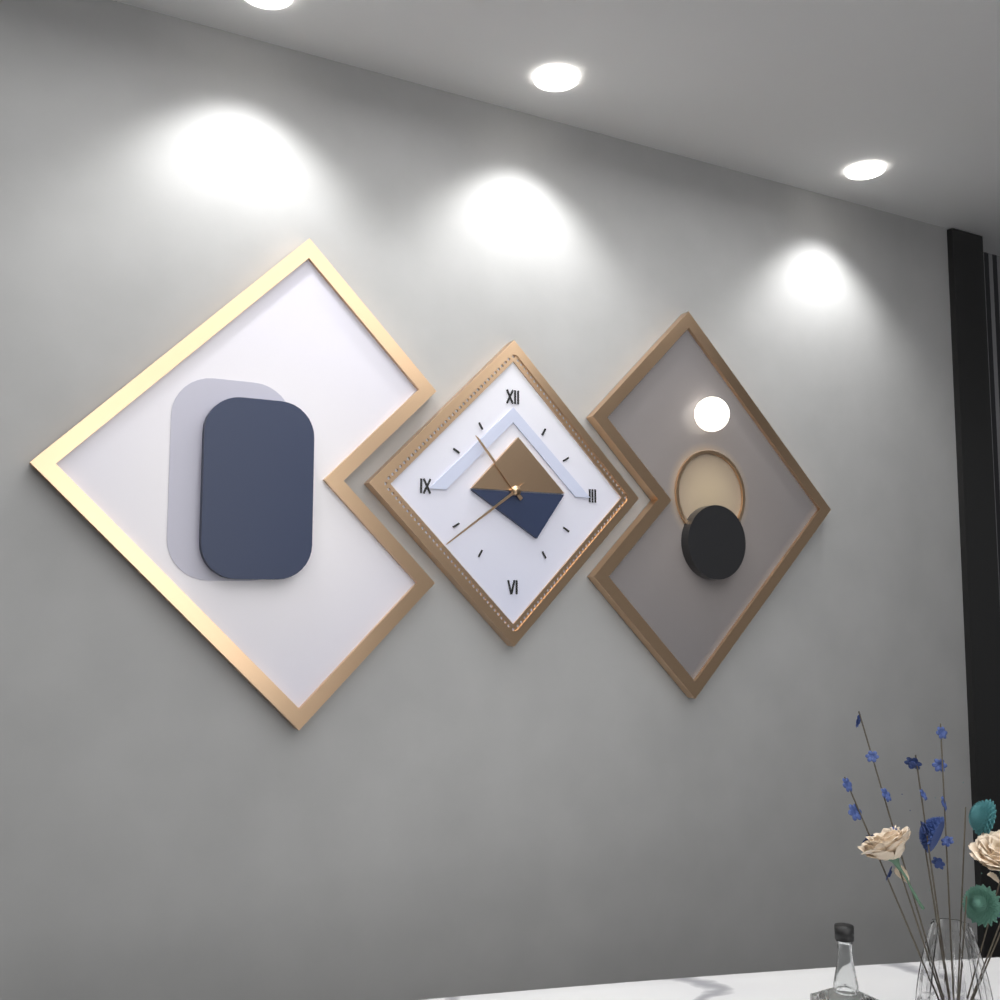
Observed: 10 h 39 min
